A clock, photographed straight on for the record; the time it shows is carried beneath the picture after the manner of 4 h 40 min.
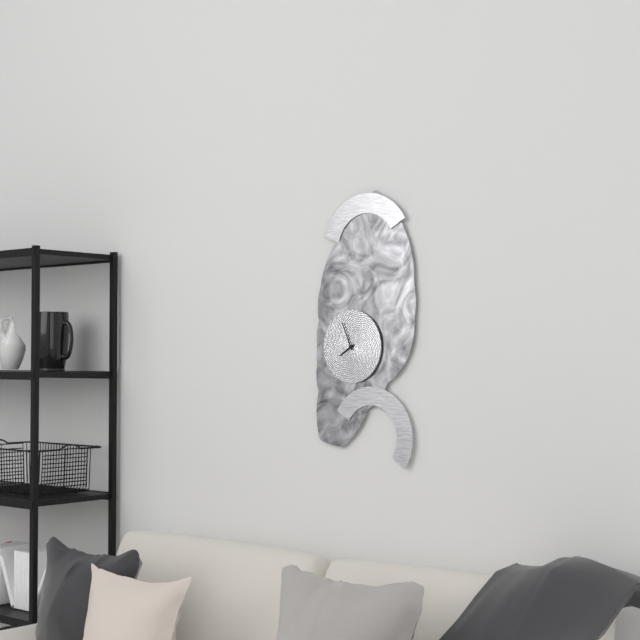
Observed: 7 h 56 min
